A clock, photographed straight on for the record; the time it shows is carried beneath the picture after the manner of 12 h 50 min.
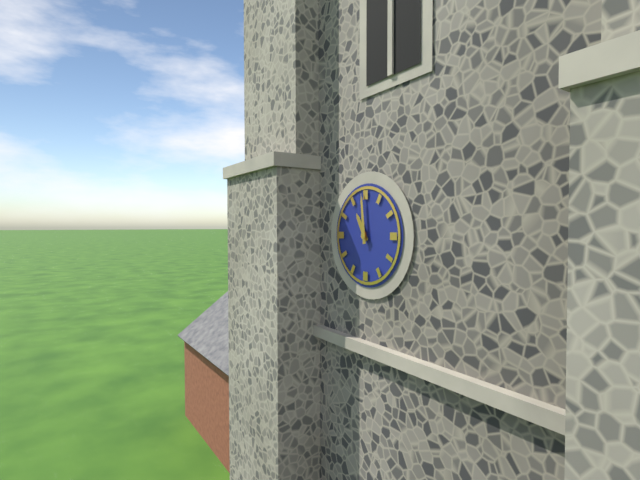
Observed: 10 h 59 min
